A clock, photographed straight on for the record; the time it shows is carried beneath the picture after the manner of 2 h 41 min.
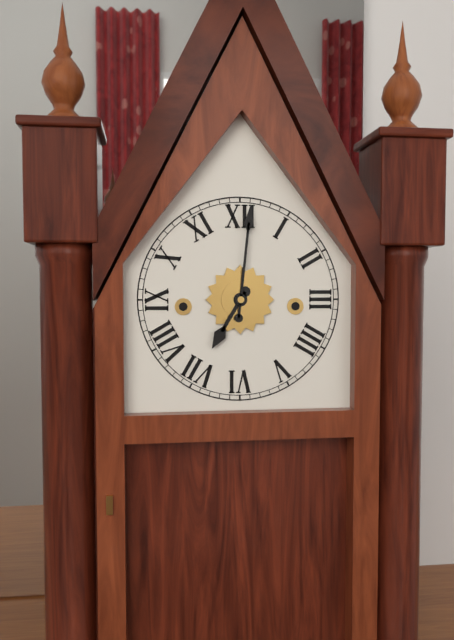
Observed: 7 h 01 min
